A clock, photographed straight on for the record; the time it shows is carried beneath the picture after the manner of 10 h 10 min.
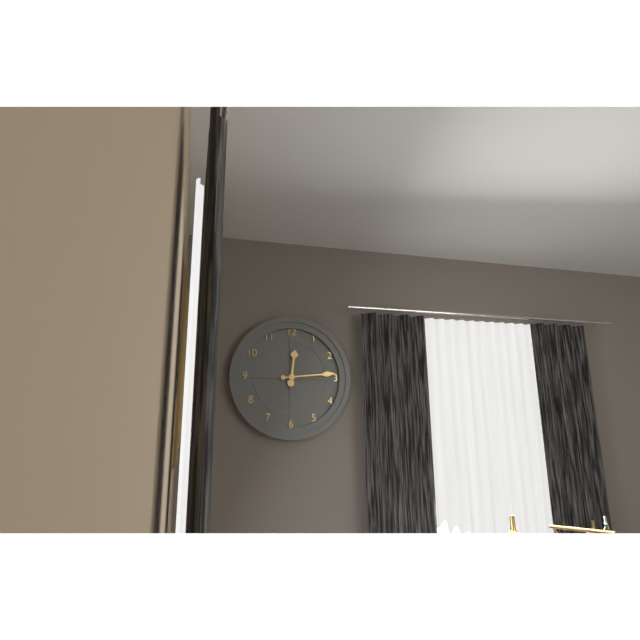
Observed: 12 h 14 min
